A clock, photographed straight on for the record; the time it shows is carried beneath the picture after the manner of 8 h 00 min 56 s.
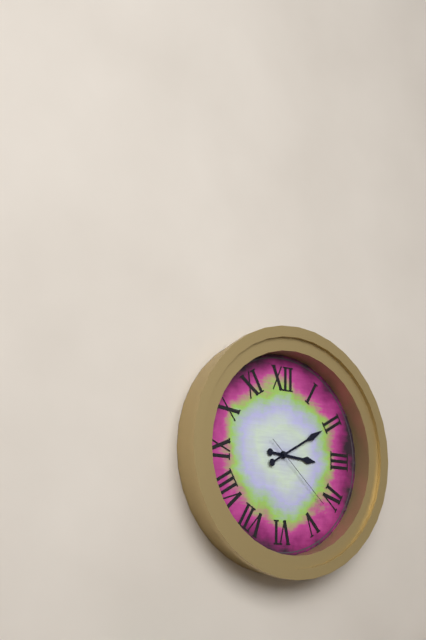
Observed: 3 h 10 min 22 s
